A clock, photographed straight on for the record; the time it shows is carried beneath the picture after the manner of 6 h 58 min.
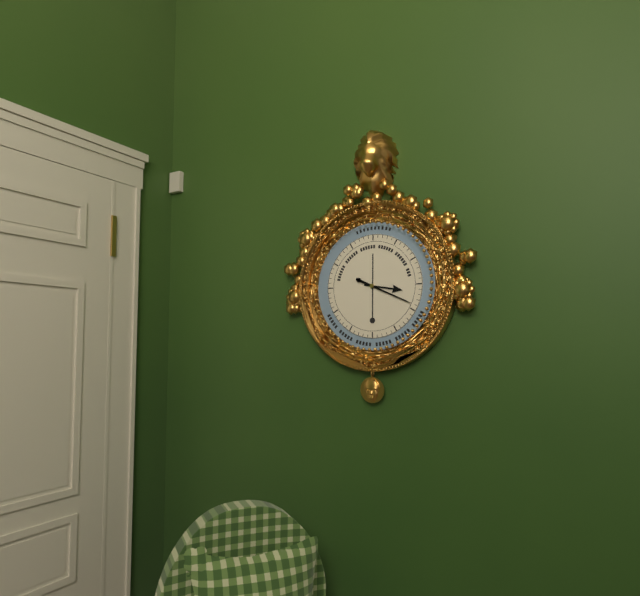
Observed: 3 h 19 min
